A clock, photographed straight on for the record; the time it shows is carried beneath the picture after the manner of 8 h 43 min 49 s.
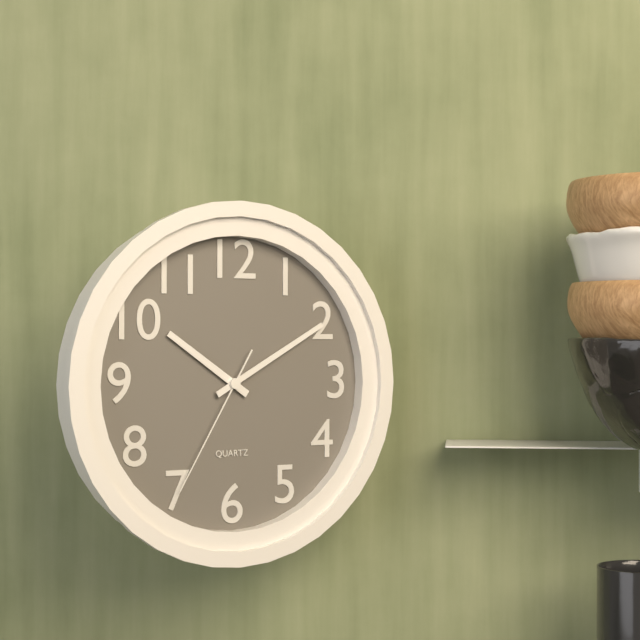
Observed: 10 h 10 min 35 s
